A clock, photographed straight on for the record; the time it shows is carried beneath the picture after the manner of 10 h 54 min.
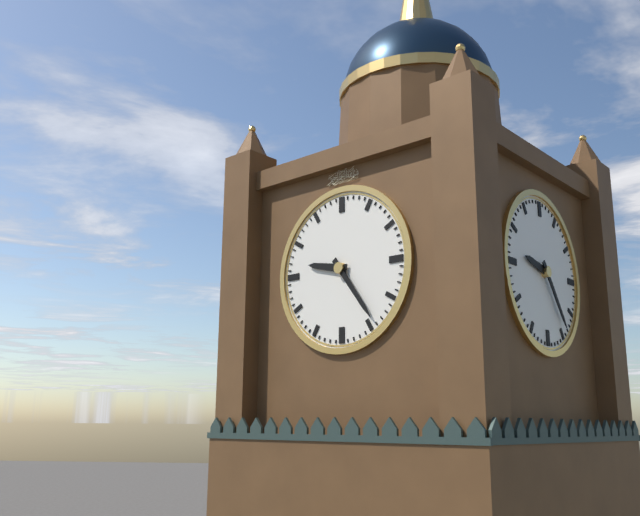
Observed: 9 h 24 min
